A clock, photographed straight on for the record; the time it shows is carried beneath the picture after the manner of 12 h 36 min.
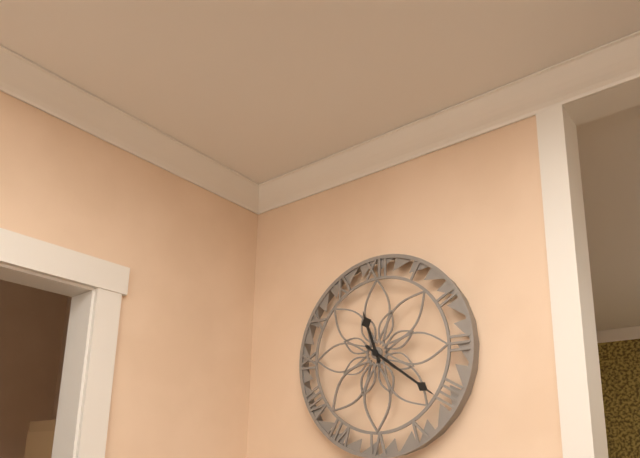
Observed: 11 h 21 min
